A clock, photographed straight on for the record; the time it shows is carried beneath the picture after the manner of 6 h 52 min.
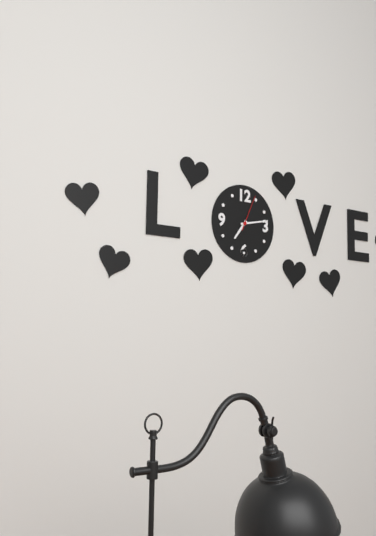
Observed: 7 h 13 min
